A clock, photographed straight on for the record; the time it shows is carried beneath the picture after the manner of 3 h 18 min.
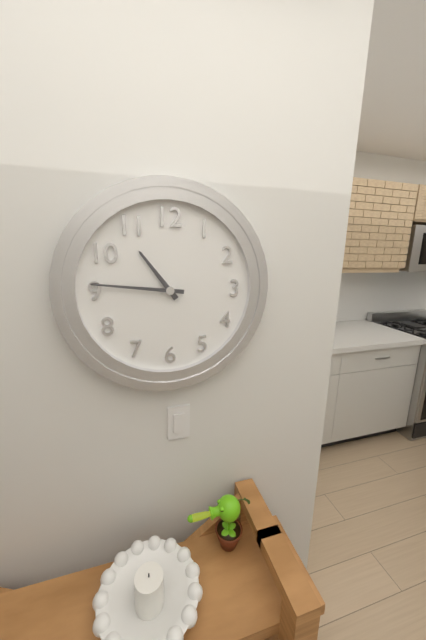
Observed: 10 h 46 min
